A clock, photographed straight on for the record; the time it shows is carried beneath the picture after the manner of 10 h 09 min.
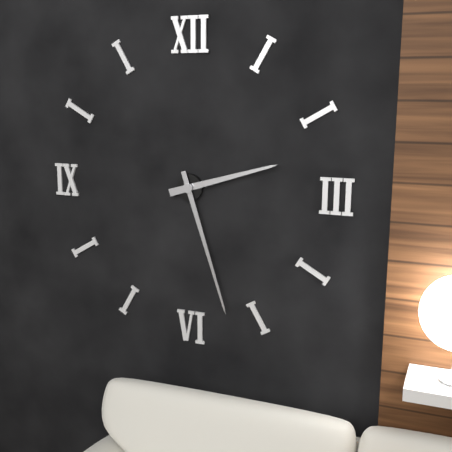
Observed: 2 h 27 min
